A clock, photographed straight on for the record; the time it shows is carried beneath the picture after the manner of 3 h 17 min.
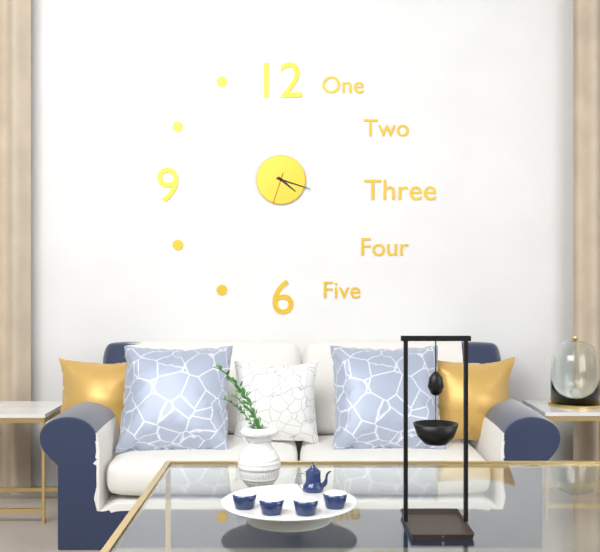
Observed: 4 h 18 min
